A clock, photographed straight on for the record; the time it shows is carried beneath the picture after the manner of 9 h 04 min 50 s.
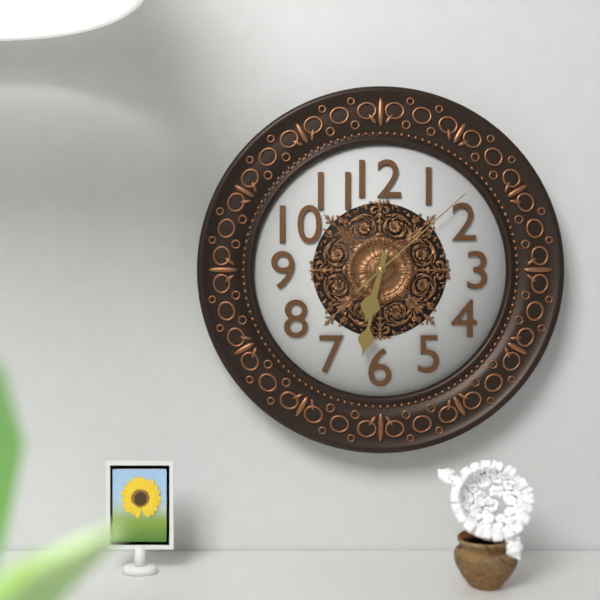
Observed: 6 h 32 min 08 s
